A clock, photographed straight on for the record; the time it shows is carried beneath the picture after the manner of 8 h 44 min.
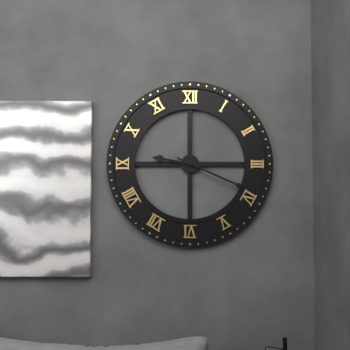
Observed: 9 h 19 min
